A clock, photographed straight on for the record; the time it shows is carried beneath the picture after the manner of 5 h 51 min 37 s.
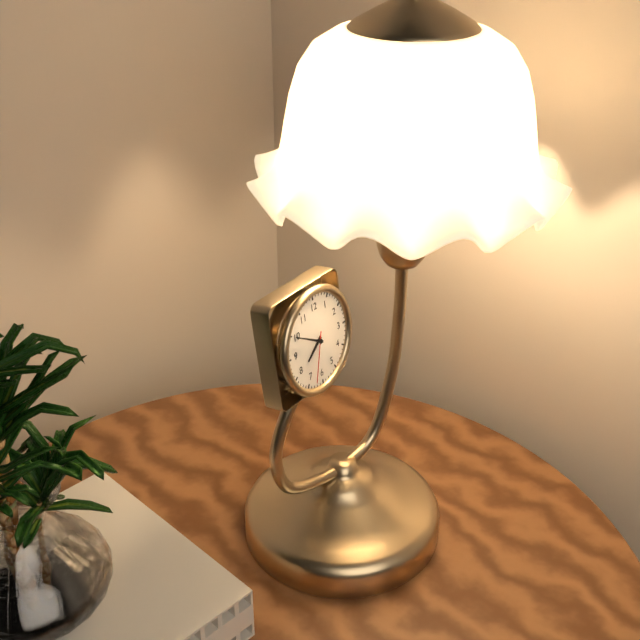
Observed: 7 h 50 min 33 s
